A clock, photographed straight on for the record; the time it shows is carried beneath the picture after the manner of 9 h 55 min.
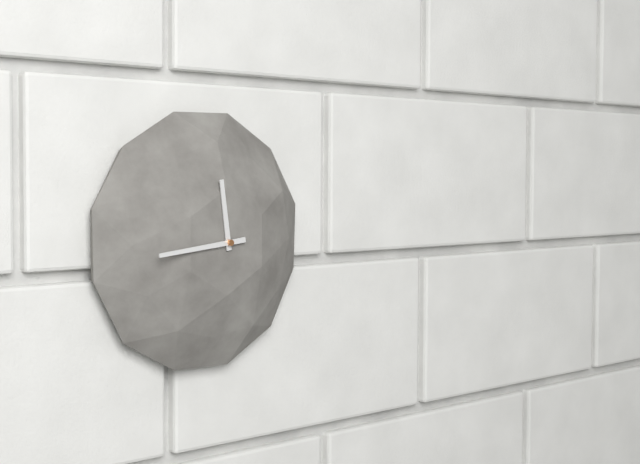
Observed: 11 h 44 min
